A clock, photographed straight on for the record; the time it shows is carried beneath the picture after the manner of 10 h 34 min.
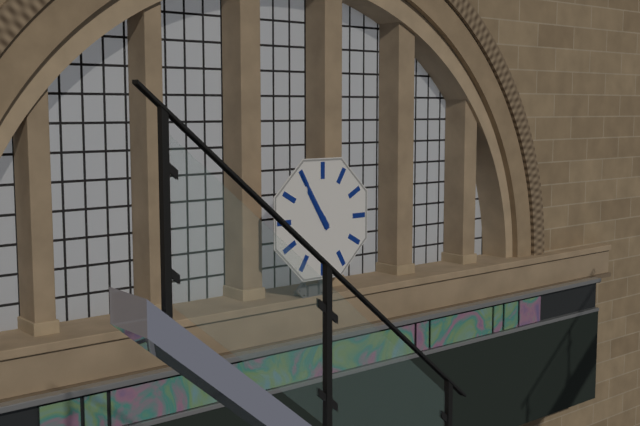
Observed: 10 h 55 min
